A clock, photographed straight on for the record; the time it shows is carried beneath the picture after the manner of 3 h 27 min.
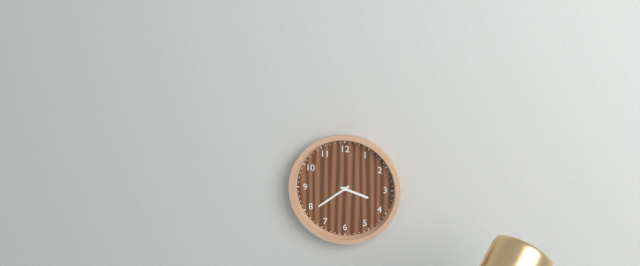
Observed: 3 h 39 min
